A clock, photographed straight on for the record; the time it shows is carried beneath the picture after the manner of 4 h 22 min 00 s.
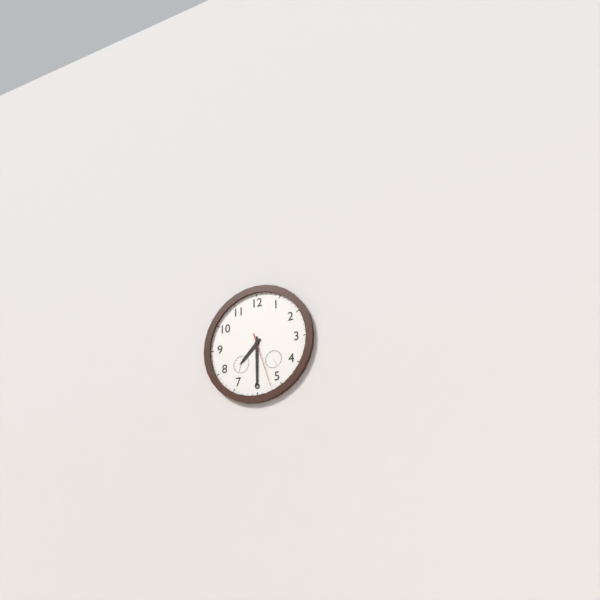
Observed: 7 h 30 min 27 s
